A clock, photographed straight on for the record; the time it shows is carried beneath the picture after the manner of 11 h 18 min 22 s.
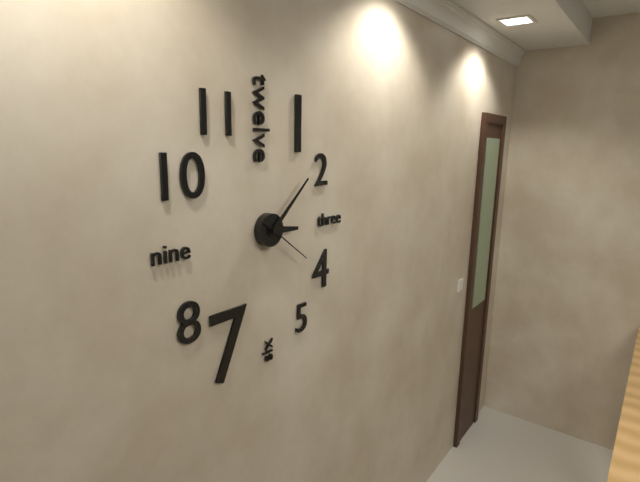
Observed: 3 h 08 min 21 s
